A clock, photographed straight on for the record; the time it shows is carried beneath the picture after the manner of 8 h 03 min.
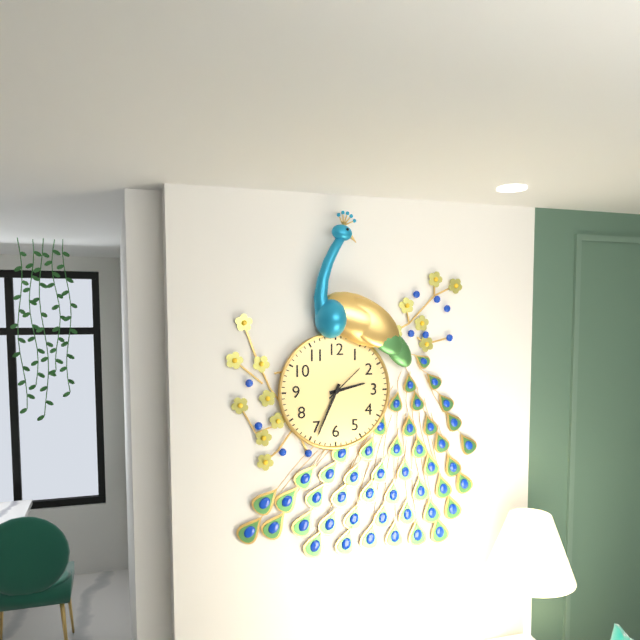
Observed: 2 h 34 min
